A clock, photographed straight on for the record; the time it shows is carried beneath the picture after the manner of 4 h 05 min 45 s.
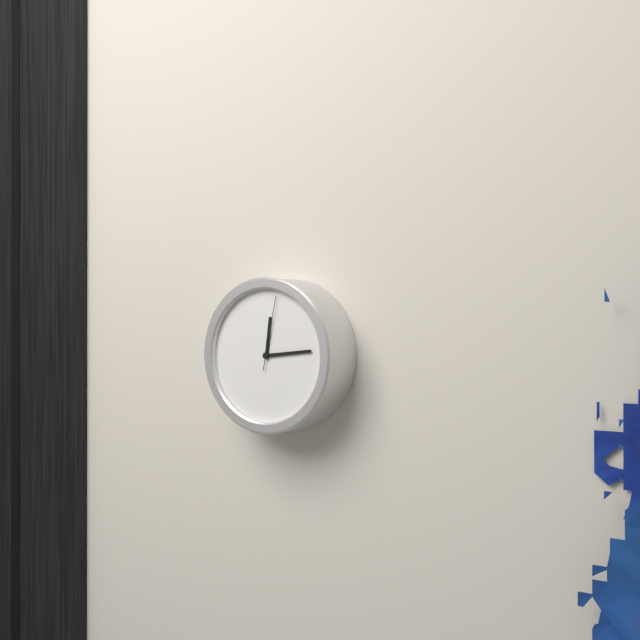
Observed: 12 h 14 min 02 s
